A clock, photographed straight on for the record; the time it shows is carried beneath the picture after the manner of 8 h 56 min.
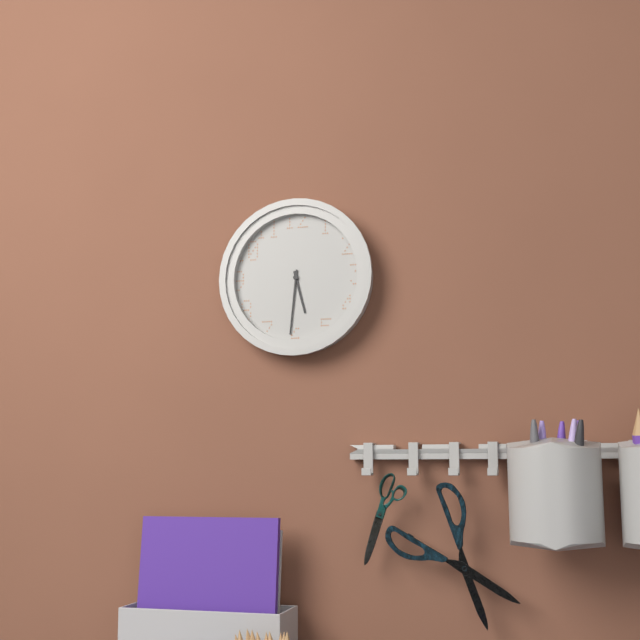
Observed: 5 h 31 min
